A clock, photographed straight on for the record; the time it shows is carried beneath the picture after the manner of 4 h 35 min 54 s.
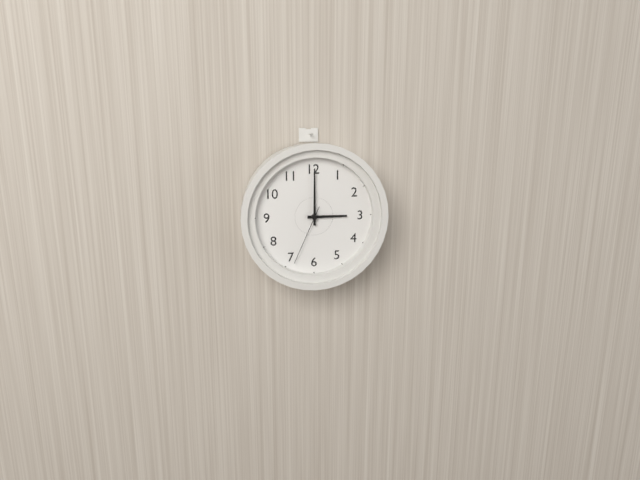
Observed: 3 h 00 min 34 s
